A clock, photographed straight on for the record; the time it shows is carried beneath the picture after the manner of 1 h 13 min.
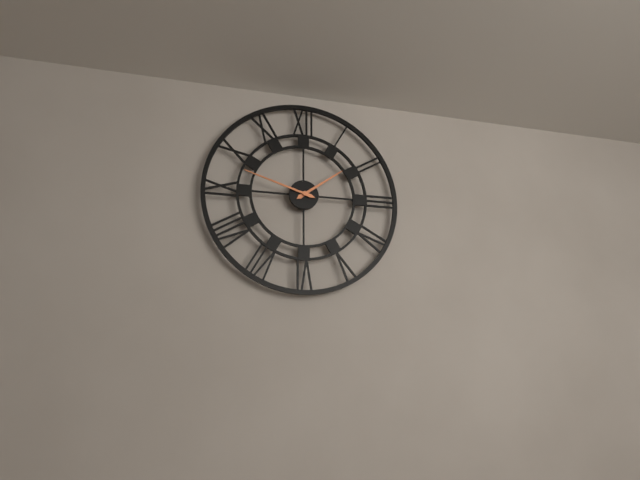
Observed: 1 h 48 min
